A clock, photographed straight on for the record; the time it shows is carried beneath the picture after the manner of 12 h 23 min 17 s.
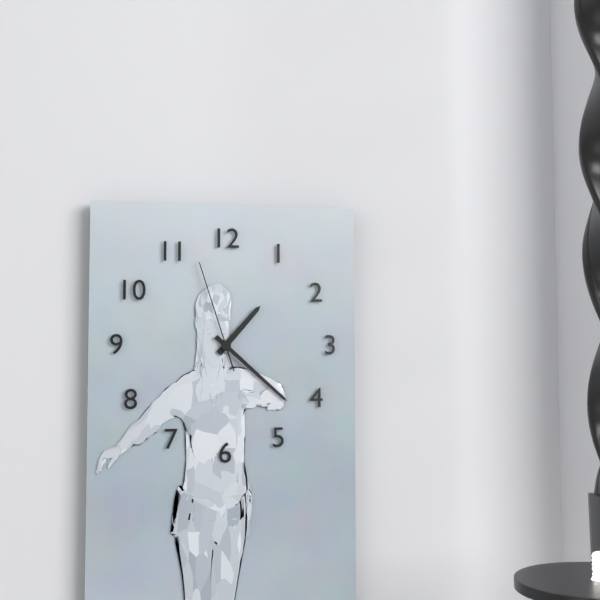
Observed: 1 h 22 min 57 s
